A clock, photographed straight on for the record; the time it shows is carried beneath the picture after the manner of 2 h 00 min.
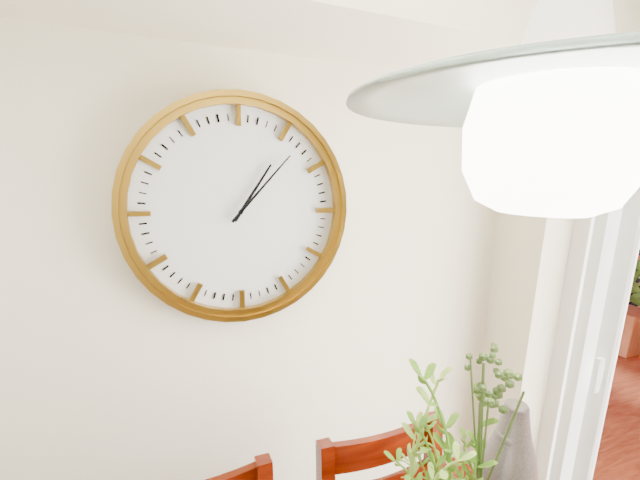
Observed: 1 h 07 min
